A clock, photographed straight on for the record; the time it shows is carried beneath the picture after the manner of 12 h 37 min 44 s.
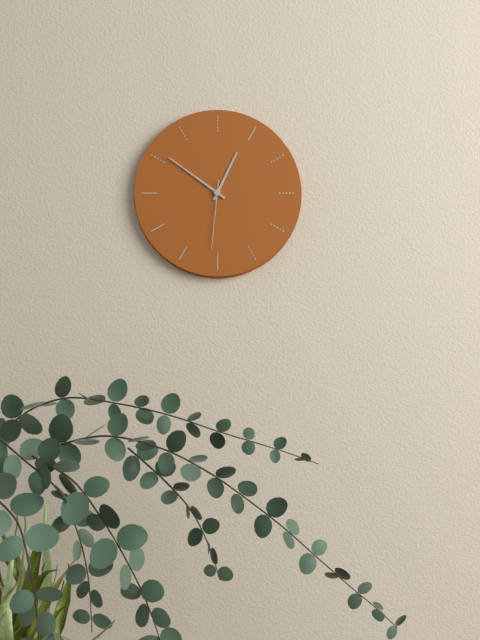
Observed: 12 h 51 min 31 s
